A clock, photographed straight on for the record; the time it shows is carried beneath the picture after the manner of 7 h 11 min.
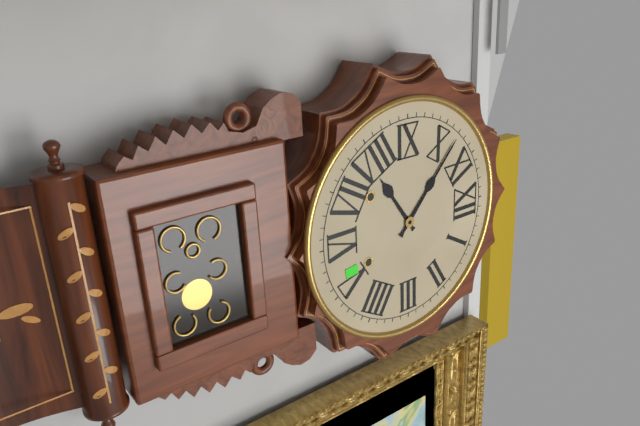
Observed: 7 h 52 min
